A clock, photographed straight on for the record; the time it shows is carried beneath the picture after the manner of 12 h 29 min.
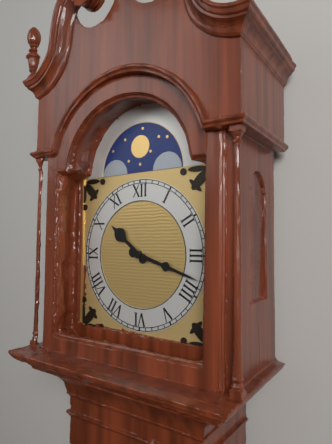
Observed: 10 h 18 min
